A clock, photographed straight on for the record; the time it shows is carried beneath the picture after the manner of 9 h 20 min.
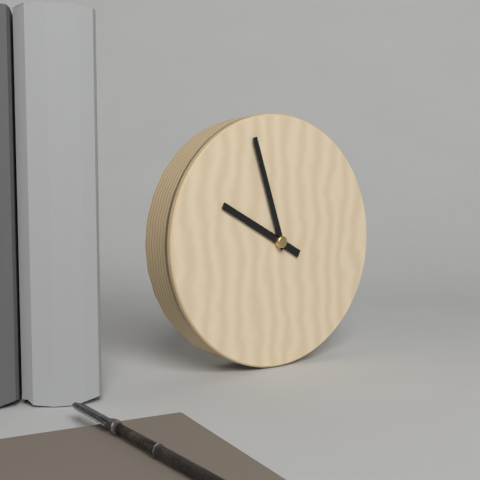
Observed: 9 h 57 min
